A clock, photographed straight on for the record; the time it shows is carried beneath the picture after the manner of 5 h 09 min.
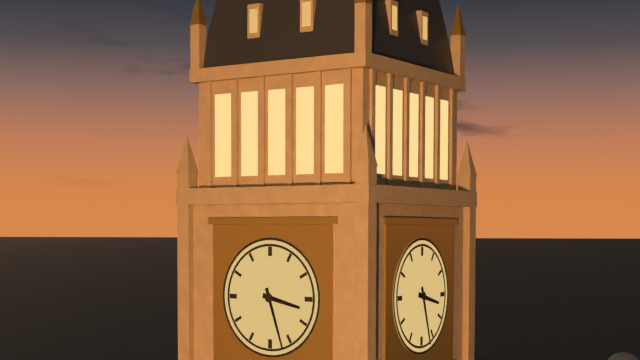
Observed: 3 h 27 min
